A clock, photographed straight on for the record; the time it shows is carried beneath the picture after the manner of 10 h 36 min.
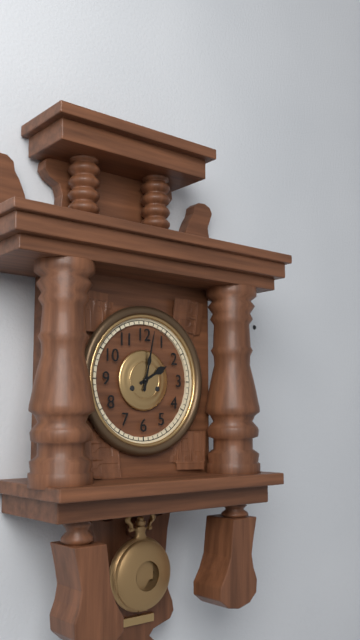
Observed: 2 h 02 min
